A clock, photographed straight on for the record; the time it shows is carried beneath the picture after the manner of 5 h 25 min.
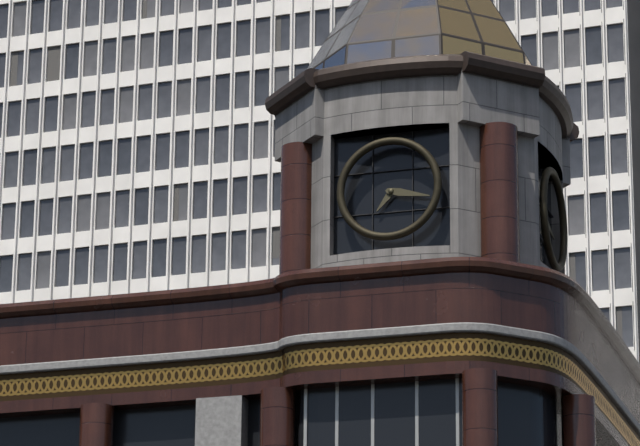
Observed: 7 h 17 min
